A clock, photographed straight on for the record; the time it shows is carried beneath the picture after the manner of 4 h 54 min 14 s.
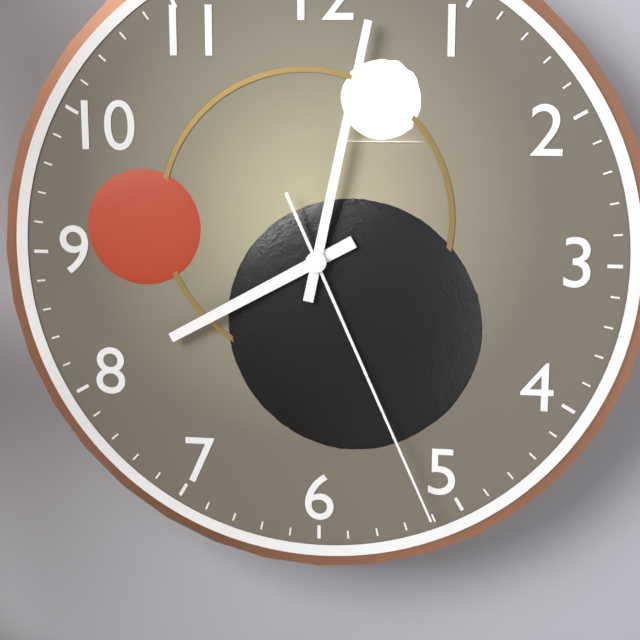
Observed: 8 h 02 min 26 s
